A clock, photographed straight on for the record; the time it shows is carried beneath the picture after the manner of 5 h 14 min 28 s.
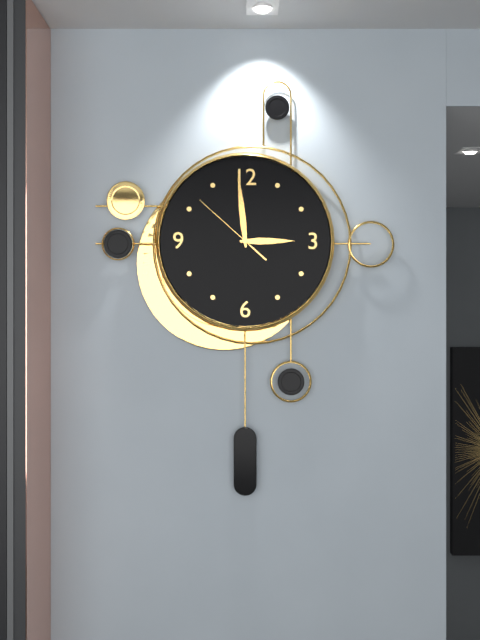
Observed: 2 h 59 min 52 s
